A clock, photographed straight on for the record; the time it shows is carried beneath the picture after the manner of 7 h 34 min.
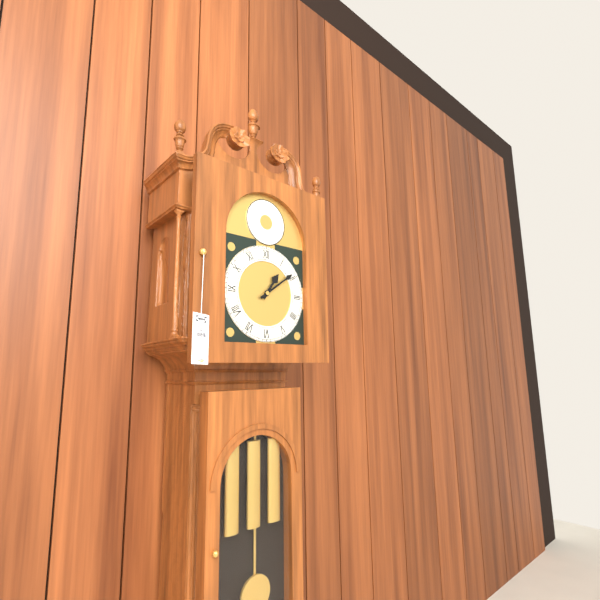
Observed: 1 h 09 min
